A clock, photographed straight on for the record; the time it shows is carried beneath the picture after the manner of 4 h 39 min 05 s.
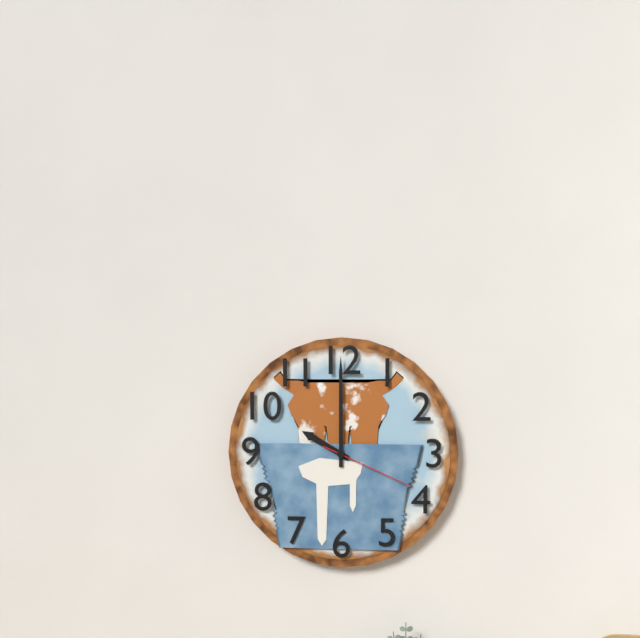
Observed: 10 h 00 min 19 s
